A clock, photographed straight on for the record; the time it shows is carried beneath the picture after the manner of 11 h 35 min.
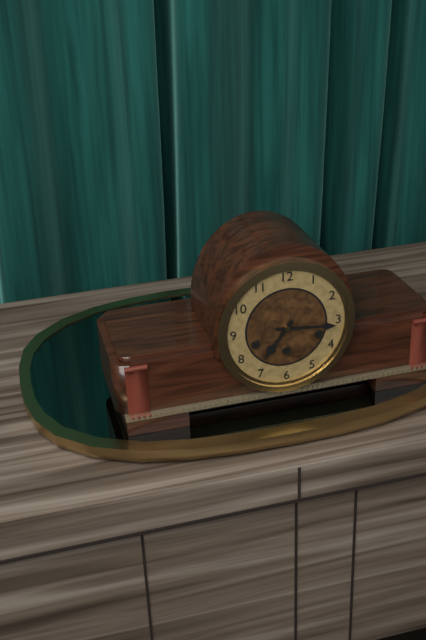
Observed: 7 h 16 min
